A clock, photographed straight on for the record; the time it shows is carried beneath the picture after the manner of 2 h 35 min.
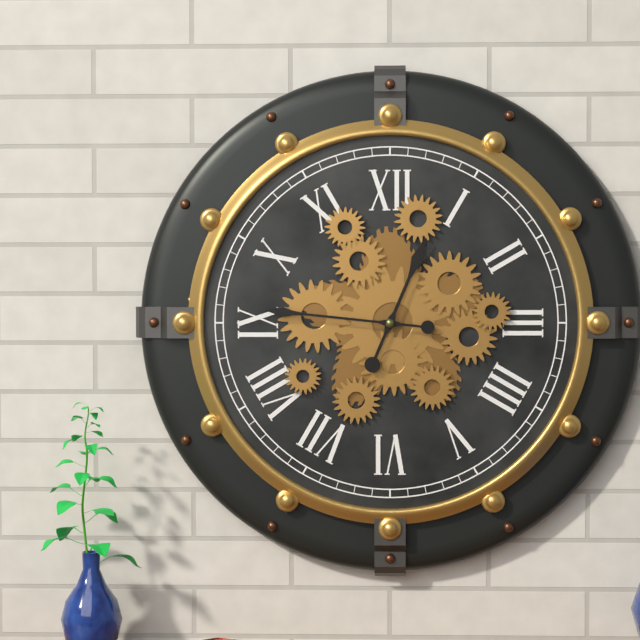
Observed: 12 h 46 min
